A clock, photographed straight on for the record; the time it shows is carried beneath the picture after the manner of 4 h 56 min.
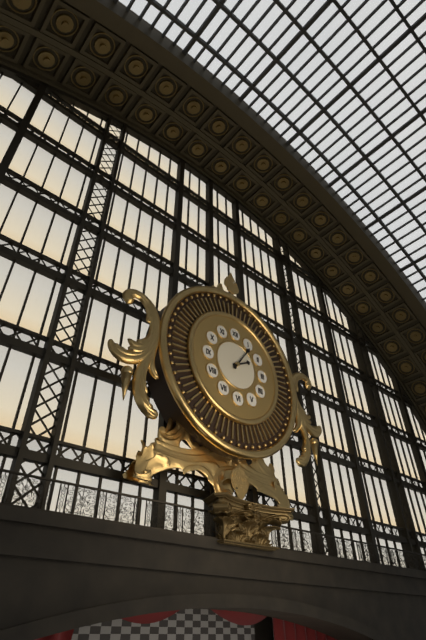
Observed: 2 h 06 min
